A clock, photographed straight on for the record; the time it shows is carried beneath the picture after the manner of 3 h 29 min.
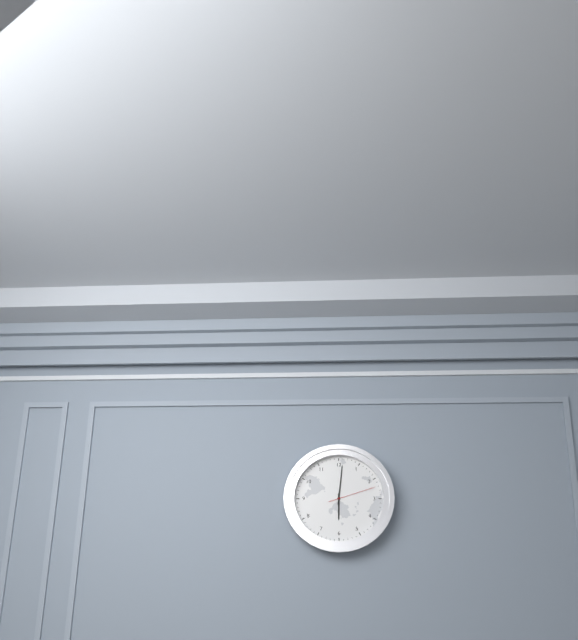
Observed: 6 h 01 min
